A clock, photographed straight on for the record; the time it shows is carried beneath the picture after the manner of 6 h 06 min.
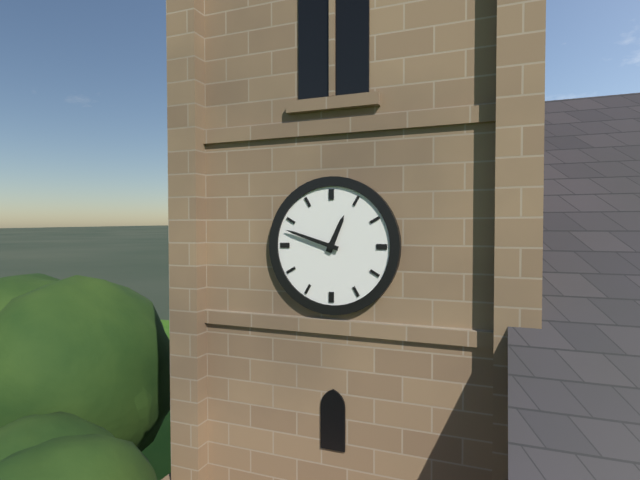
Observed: 12 h 48 min
